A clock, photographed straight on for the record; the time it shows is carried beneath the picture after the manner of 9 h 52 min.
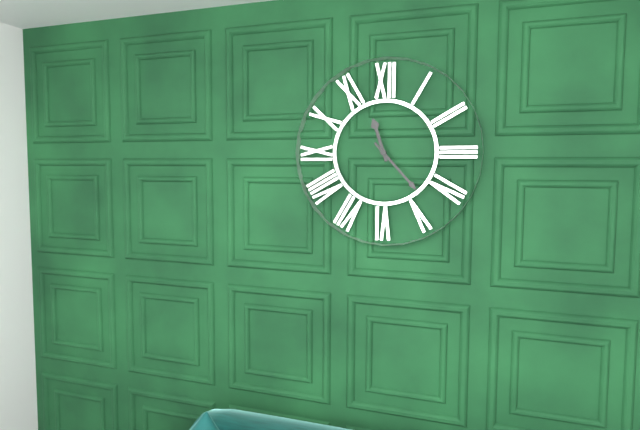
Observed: 11 h 23 min
